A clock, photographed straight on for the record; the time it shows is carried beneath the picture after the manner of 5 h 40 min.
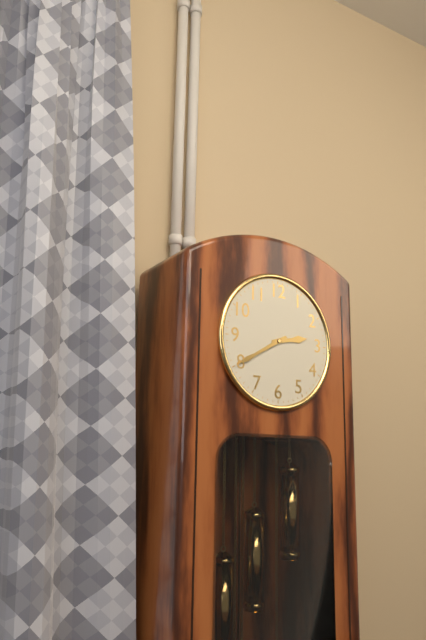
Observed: 2 h 40 min
